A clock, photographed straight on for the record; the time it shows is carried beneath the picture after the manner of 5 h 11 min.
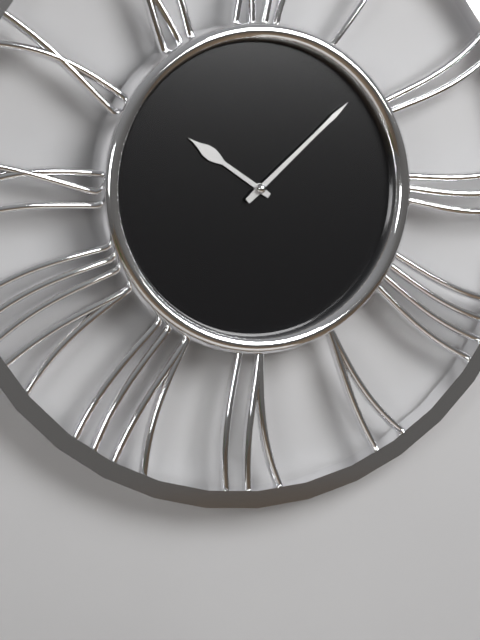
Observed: 10 h 08 min
